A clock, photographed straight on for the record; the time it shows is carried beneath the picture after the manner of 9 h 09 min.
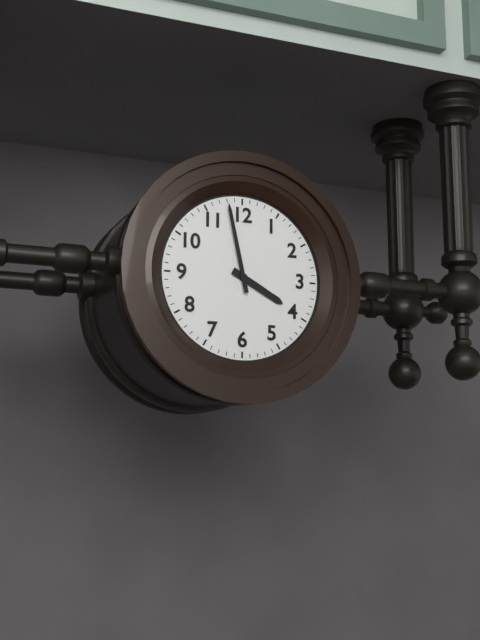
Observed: 3 h 58 min
